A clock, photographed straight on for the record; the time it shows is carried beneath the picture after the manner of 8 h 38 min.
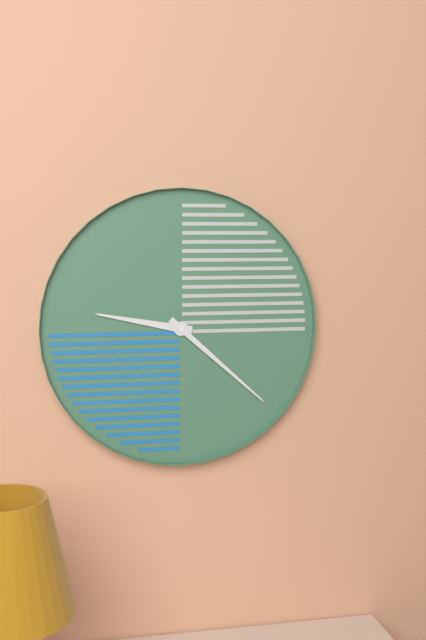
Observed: 9 h 22 min
